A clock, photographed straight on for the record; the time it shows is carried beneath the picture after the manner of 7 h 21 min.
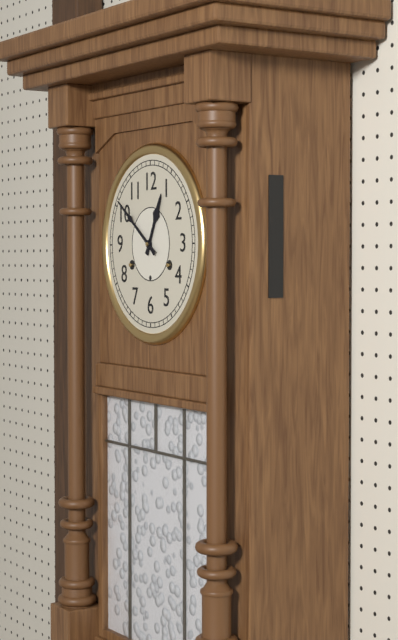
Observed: 12 h 51 min
